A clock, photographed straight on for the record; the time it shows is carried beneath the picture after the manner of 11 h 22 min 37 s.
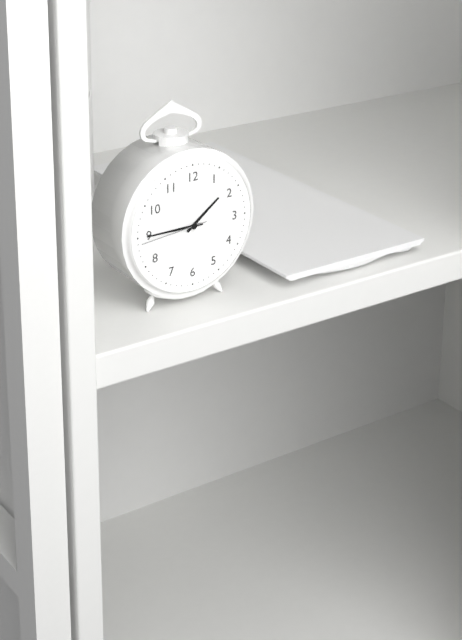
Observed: 1 h 45 min 44 s
